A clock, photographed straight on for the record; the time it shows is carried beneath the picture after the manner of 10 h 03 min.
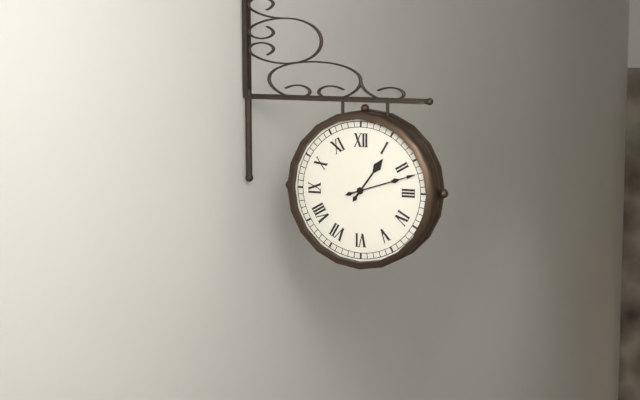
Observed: 1 h 12 min
